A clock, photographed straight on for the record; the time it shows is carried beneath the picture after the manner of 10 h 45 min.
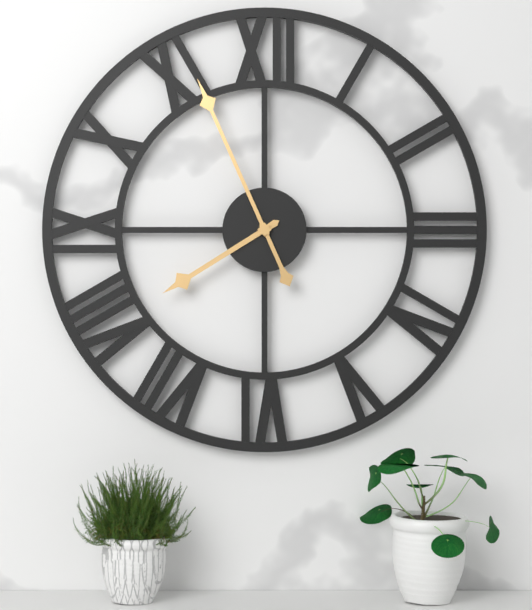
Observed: 7 h 56 min
